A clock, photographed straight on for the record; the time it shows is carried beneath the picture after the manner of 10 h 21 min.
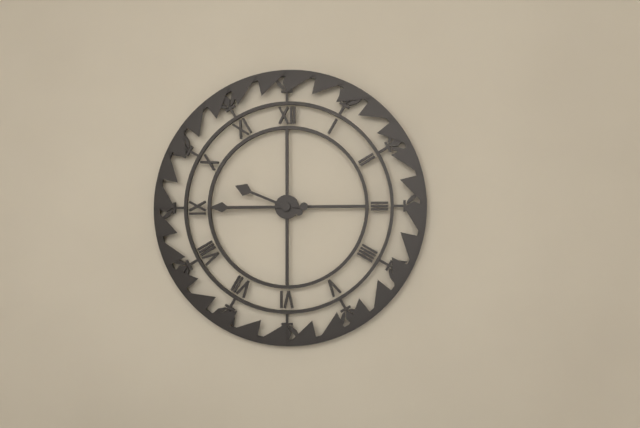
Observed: 9 h 45 min
